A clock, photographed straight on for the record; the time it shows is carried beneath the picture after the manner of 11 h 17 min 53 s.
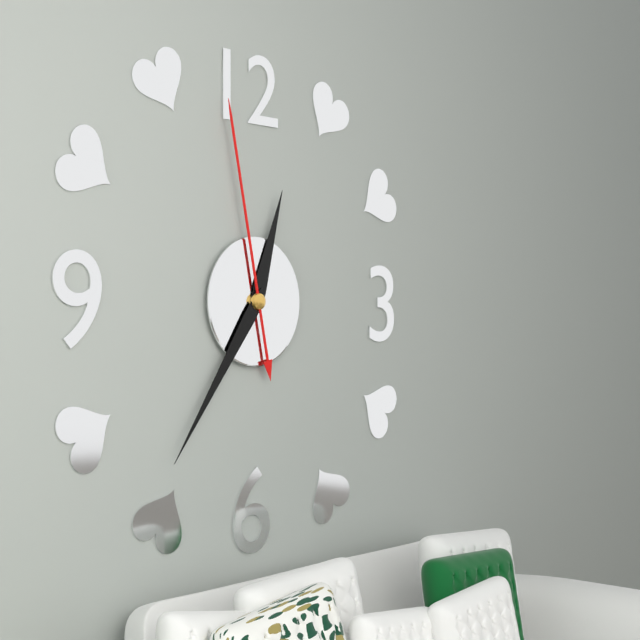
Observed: 12 h 36 min 58 s
